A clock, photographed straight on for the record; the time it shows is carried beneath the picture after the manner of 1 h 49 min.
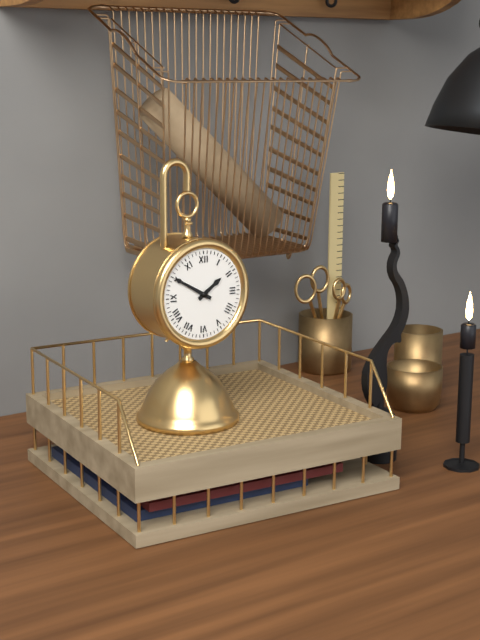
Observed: 1 h 50 min
